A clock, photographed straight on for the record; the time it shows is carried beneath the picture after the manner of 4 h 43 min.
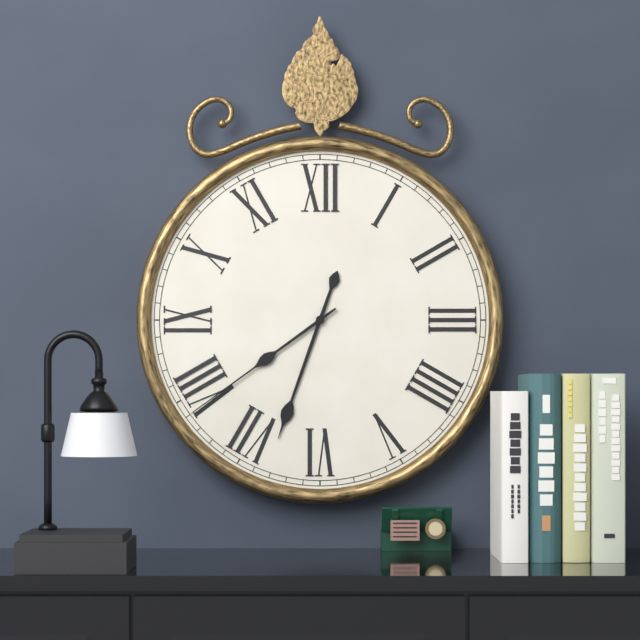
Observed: 6 h 39 min
